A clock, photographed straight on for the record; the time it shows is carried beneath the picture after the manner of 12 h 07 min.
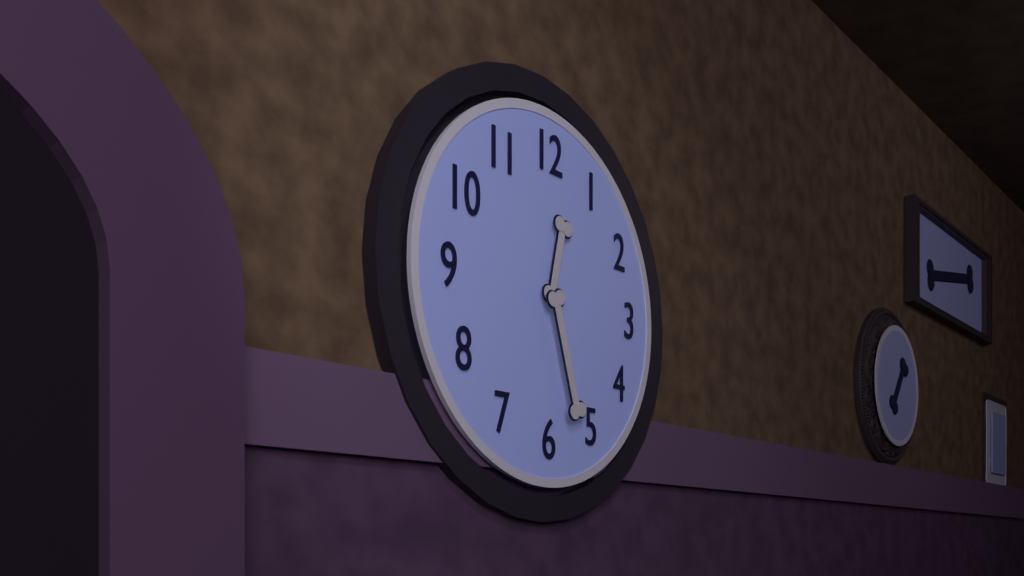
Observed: 12 h 27 min
